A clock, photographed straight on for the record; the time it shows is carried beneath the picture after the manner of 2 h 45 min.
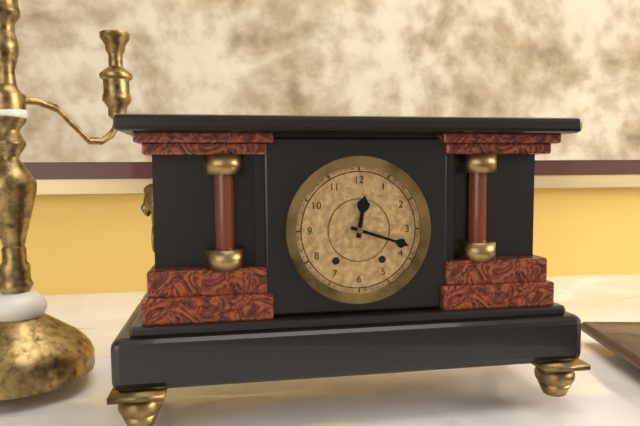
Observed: 12 h 18 min
